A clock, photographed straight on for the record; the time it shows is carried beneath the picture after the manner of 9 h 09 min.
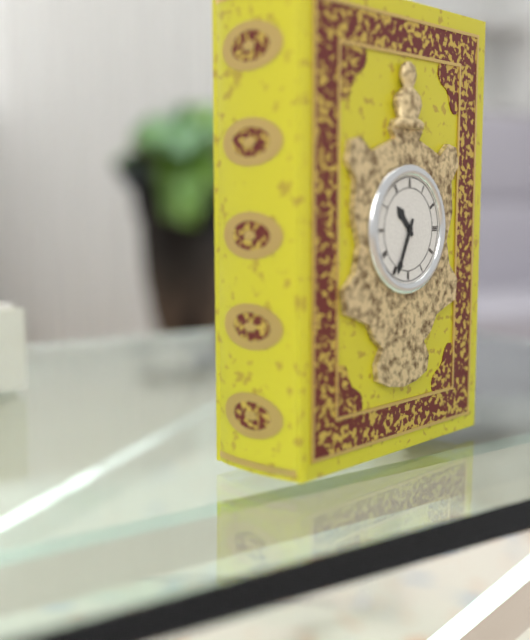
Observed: 10 h 34 min
